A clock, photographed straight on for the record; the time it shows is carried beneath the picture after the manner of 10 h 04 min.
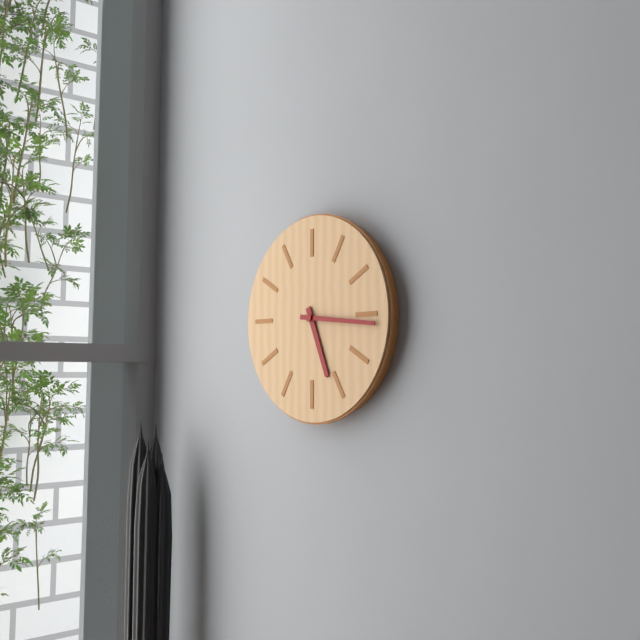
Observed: 5 h 16 min
